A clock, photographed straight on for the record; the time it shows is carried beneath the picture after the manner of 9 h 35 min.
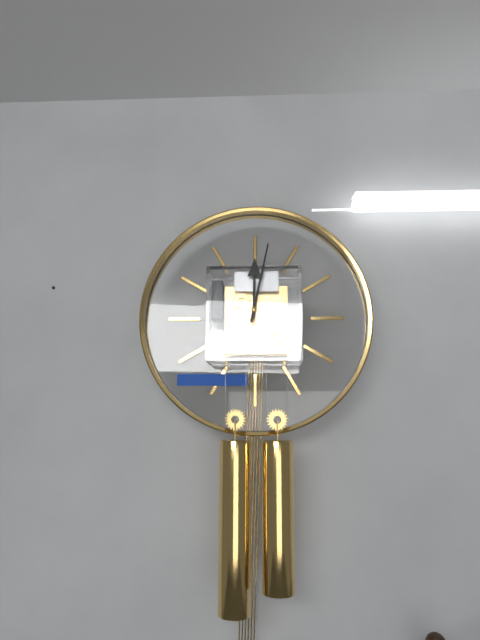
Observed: 12 h 02 min
